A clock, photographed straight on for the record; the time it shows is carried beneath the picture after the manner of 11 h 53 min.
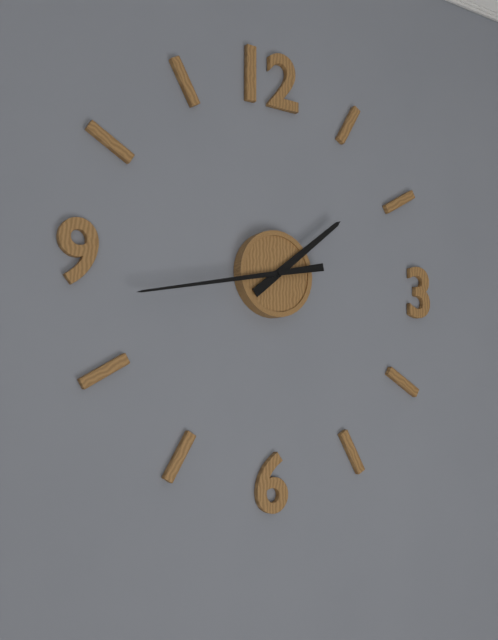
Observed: 1 h 43 min
